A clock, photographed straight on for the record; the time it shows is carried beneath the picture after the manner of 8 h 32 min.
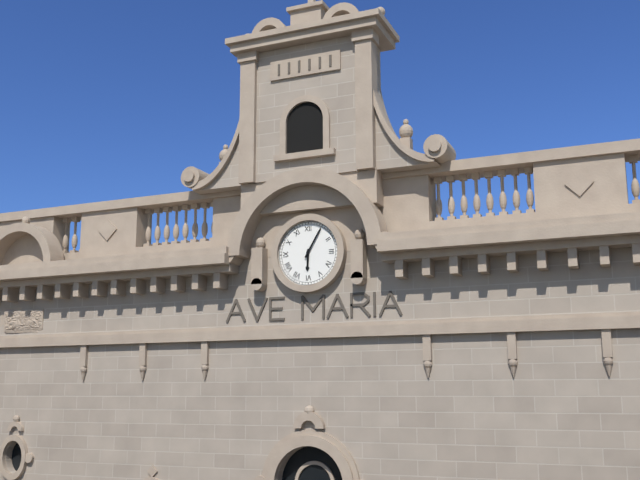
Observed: 6 h 05 min
